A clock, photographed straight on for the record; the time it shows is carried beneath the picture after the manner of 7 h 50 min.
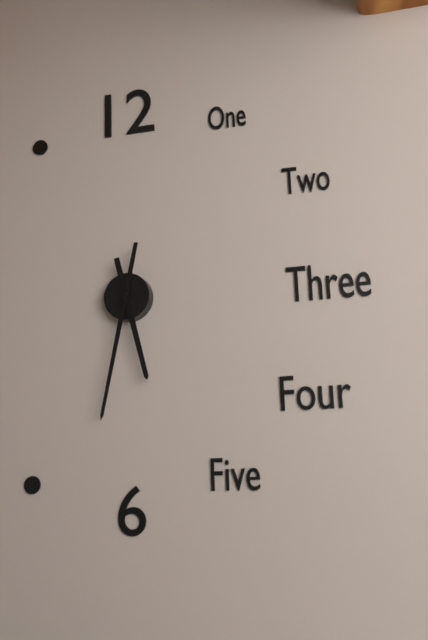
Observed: 5 h 32 min
